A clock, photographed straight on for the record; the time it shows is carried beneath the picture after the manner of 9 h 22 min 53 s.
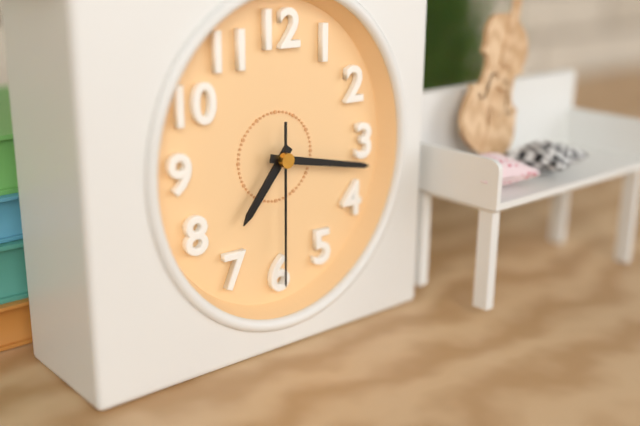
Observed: 7 h 17 min 30 s
